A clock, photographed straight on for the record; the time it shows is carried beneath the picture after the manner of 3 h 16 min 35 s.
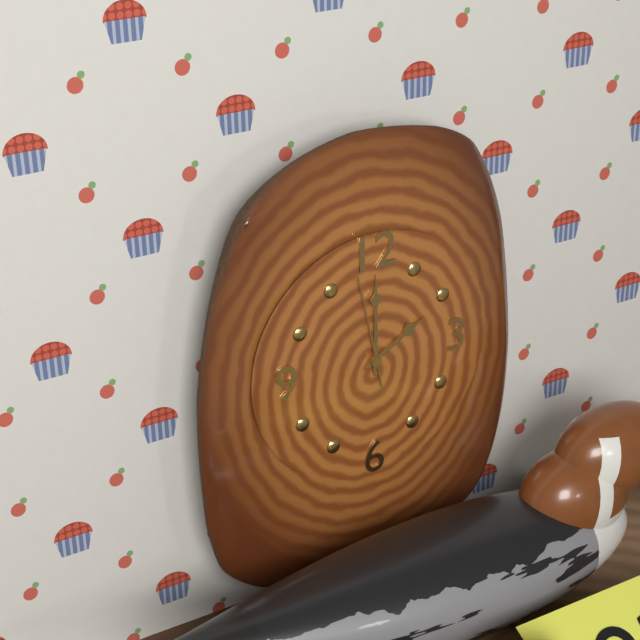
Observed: 2 h 00 min 58 s
